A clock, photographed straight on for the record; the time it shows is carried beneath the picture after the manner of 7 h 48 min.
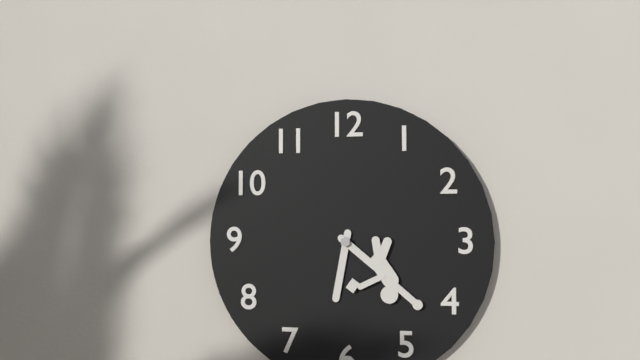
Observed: 6 h 21 min
